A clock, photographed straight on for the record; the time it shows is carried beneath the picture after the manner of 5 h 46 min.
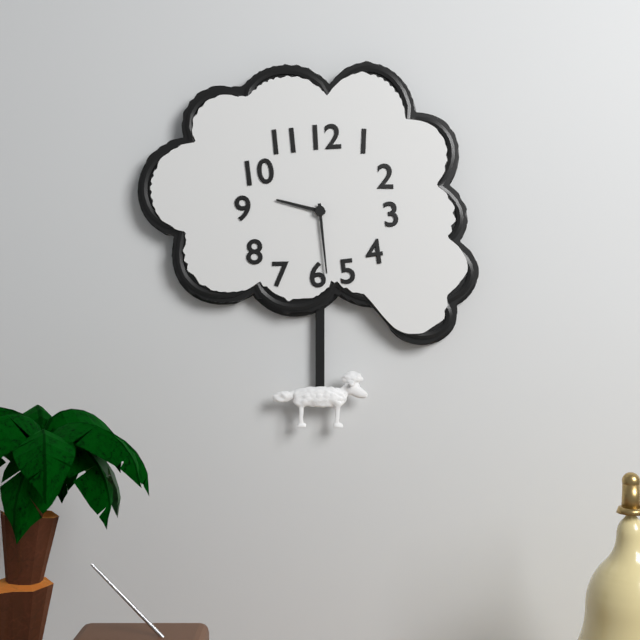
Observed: 9 h 29 min
